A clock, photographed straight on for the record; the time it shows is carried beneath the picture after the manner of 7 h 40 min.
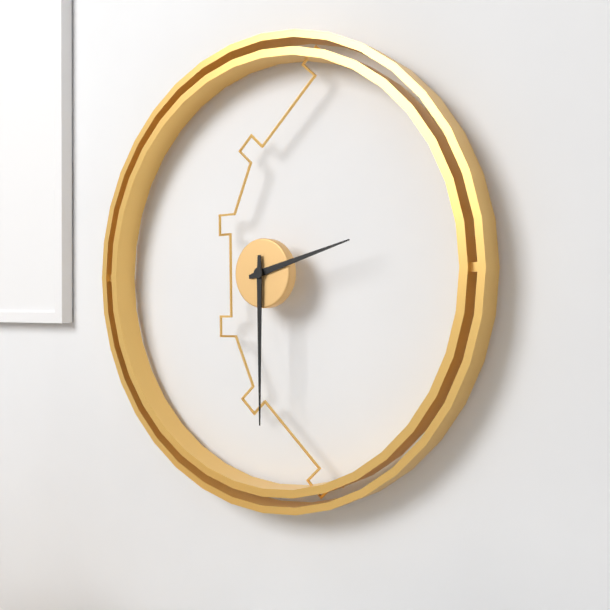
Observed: 2 h 30 min
